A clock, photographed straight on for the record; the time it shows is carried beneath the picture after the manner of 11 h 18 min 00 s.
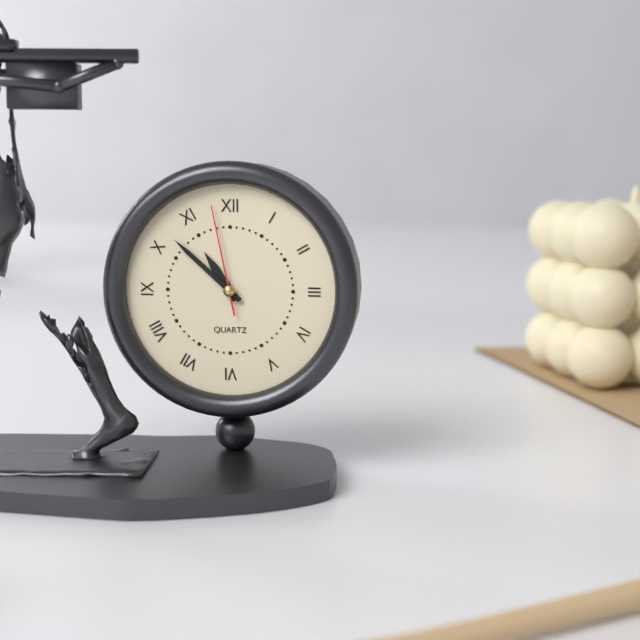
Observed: 10 h 52 min 58 s
